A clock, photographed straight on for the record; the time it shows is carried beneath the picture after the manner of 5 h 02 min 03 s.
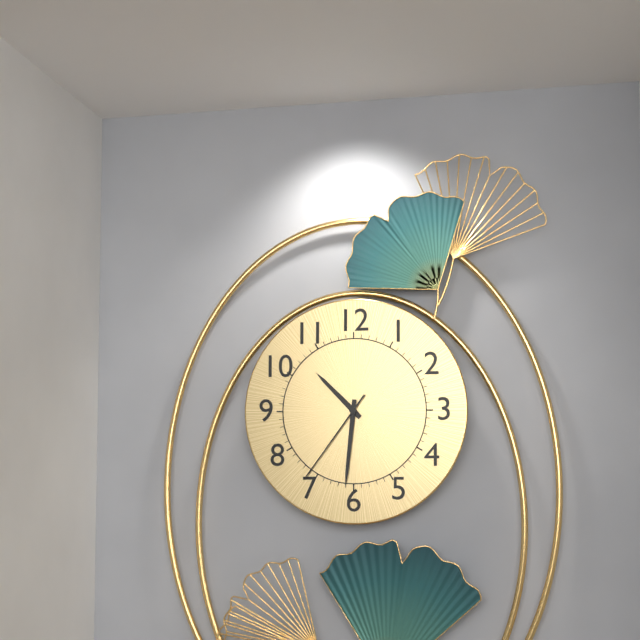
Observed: 10 h 31 min 36 s
